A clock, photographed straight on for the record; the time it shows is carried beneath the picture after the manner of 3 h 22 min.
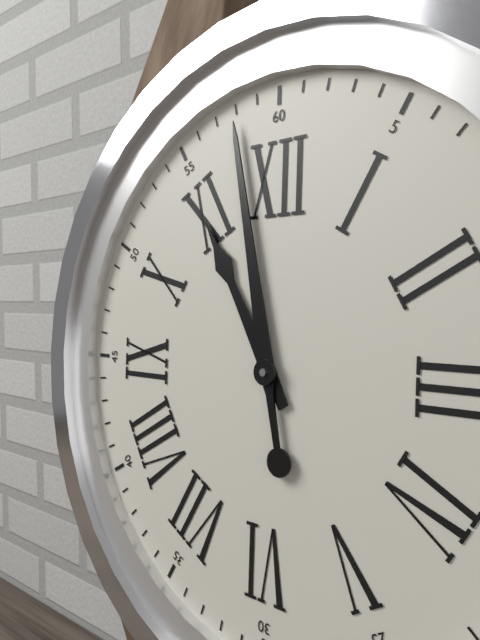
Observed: 10 h 58 min
